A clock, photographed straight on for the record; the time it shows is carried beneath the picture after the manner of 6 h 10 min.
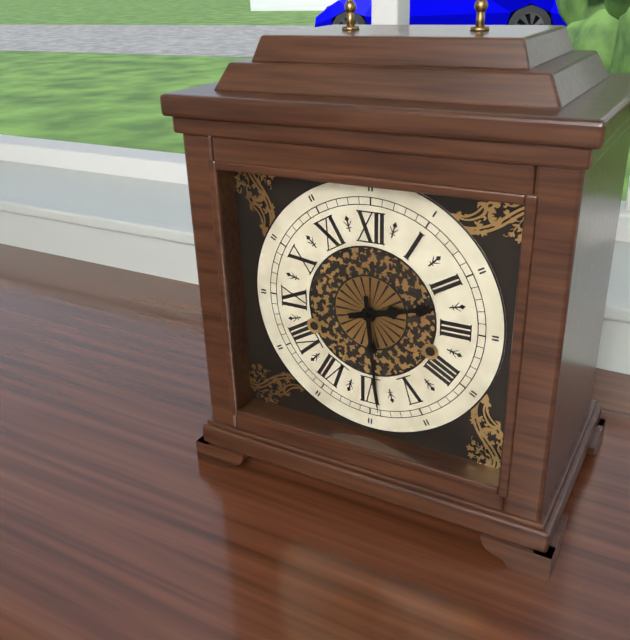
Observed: 2 h 29 min
